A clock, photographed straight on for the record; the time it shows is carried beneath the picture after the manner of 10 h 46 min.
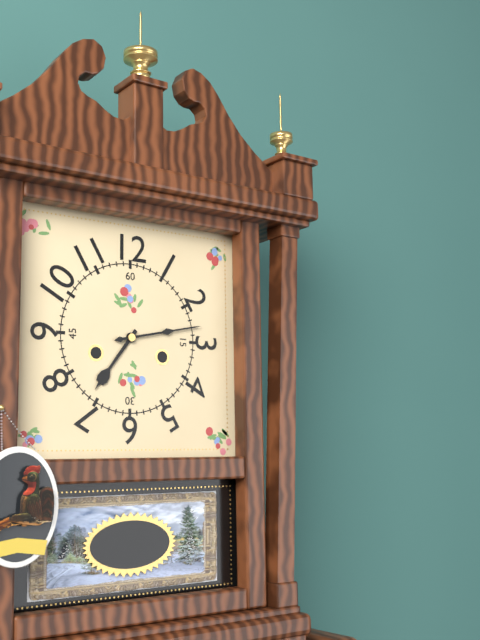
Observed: 7 h 13 min
